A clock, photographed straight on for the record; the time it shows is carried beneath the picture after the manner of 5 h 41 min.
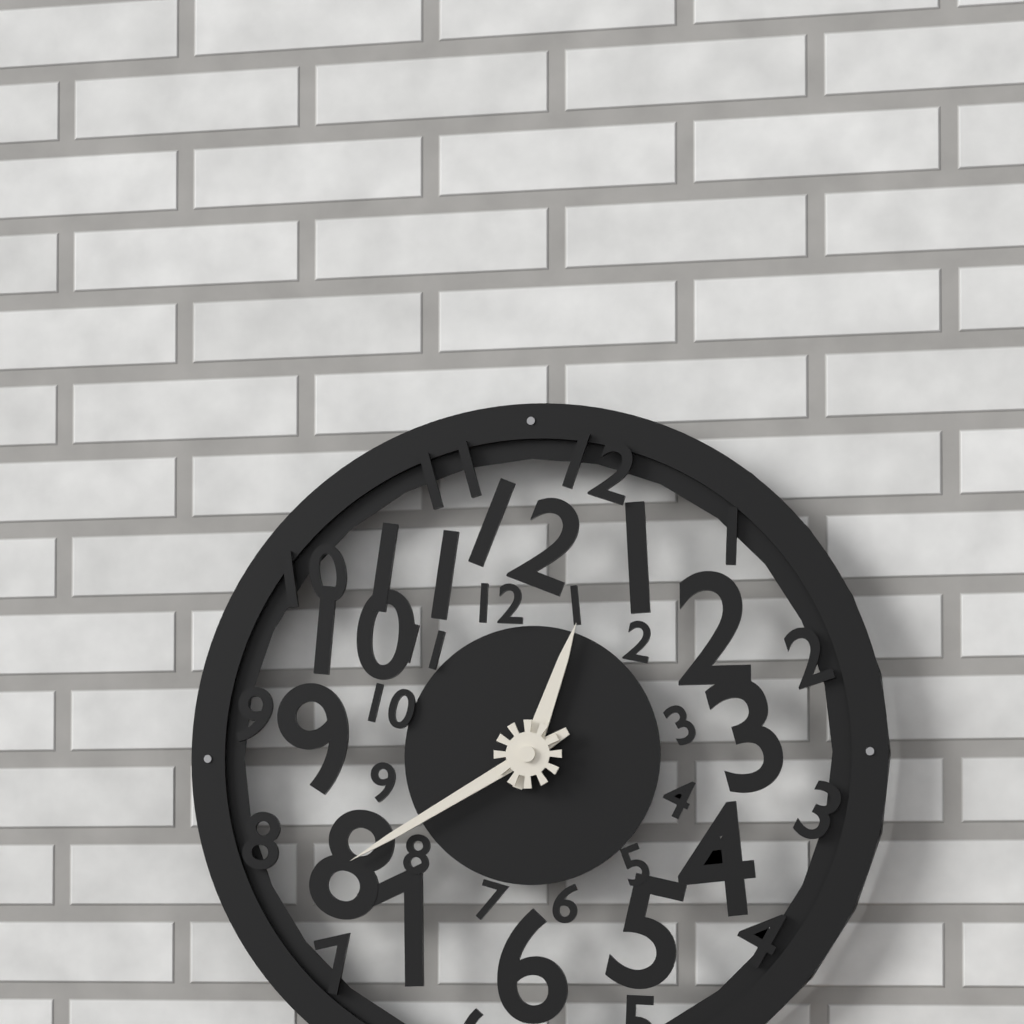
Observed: 12 h 40 min
